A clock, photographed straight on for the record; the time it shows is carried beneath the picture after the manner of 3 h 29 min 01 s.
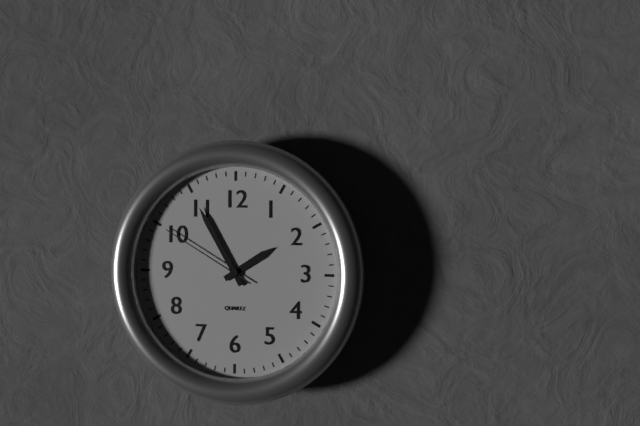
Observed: 1 h 55 min 50 s
